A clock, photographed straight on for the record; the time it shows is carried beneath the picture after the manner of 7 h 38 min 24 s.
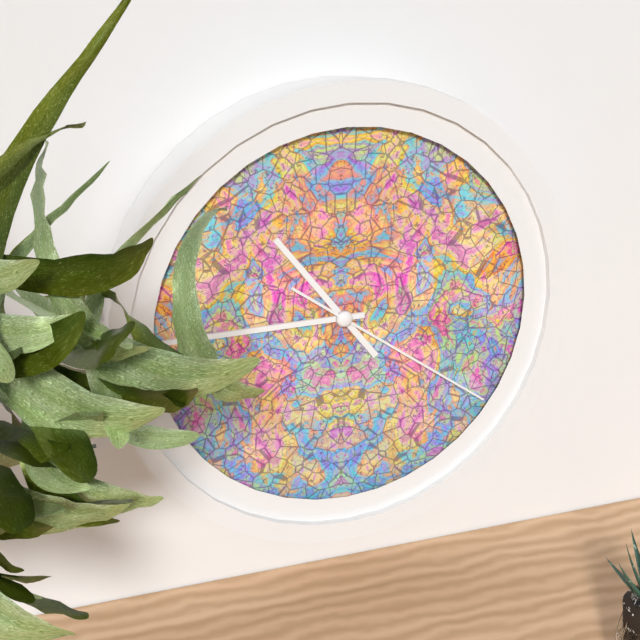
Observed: 10 h 45 min 21 s
